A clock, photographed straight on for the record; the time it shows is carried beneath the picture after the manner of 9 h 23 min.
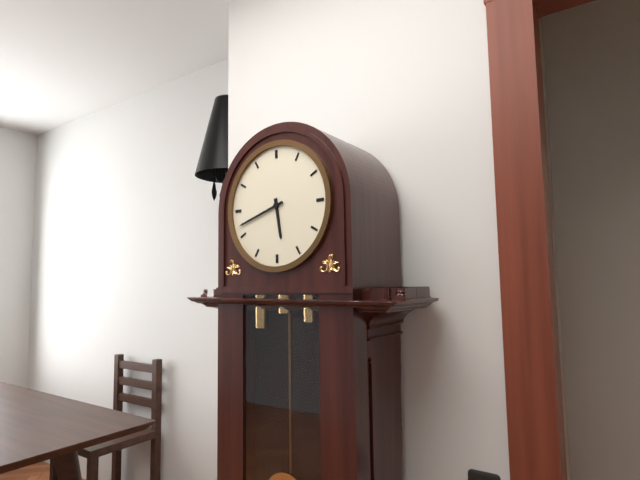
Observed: 5 h 42 min
